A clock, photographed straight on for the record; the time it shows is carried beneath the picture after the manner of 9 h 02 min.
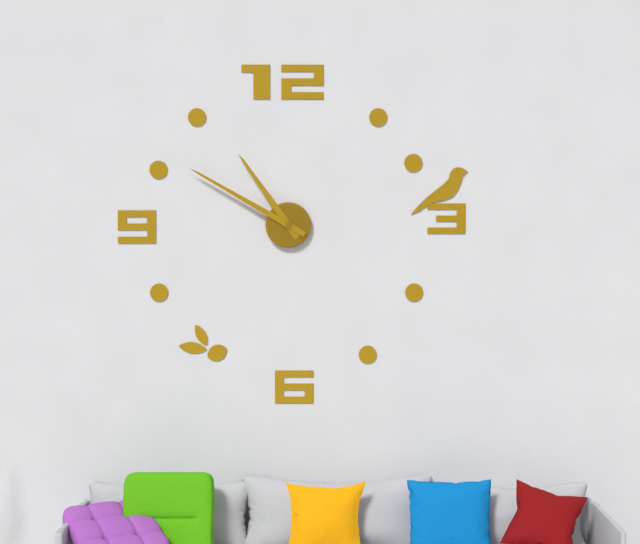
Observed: 10 h 50 min
